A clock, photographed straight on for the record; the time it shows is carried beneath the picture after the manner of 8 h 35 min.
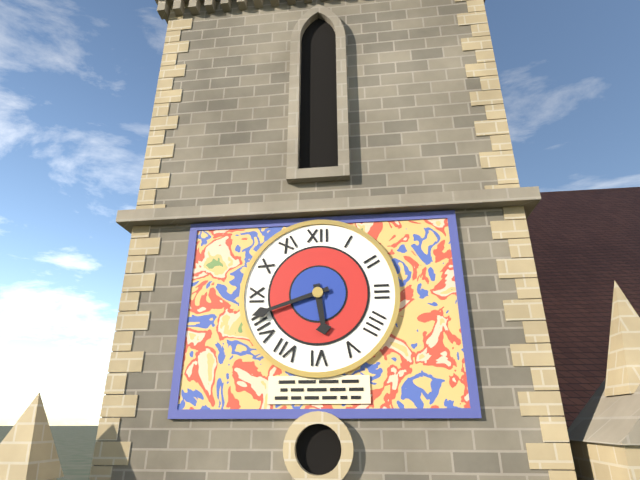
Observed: 5 h 42 min
